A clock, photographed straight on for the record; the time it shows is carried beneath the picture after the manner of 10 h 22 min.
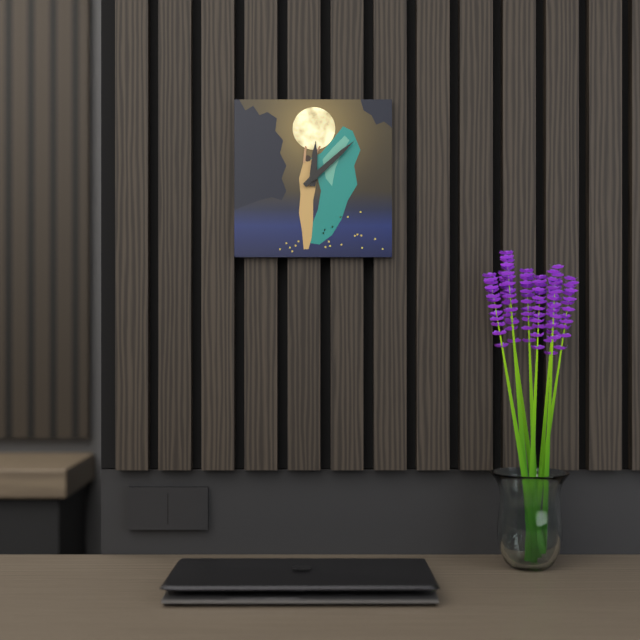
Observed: 12 h 08 min
